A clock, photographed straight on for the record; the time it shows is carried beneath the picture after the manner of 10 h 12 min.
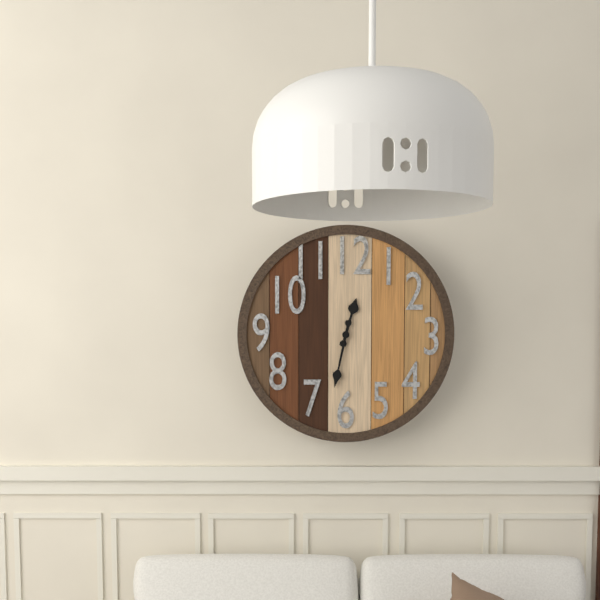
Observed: 12 h 32 min
